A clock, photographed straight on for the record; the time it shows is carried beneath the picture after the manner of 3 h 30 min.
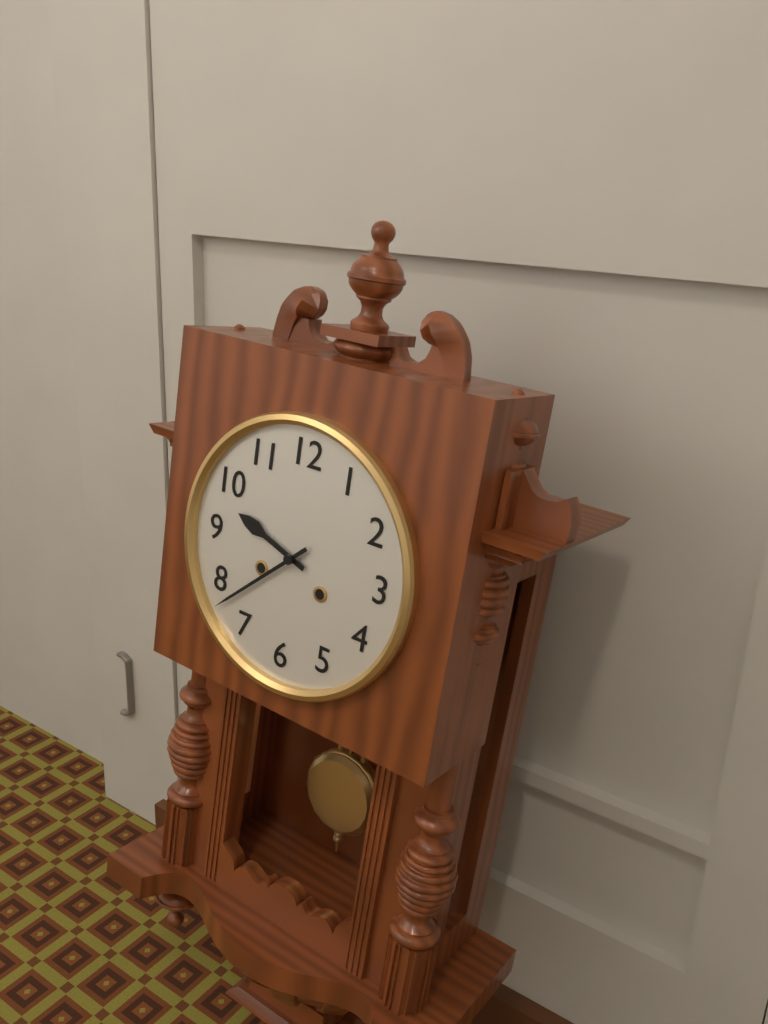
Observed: 9 h 38 min
